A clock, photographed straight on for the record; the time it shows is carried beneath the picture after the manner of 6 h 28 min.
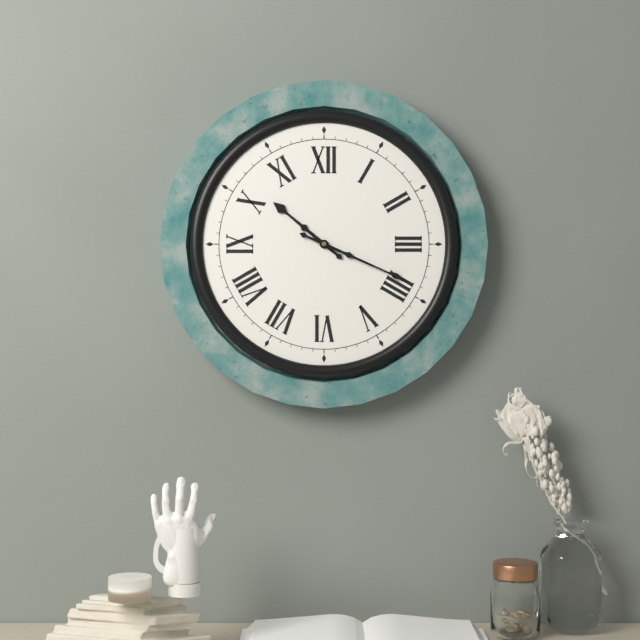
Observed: 10 h 19 min
